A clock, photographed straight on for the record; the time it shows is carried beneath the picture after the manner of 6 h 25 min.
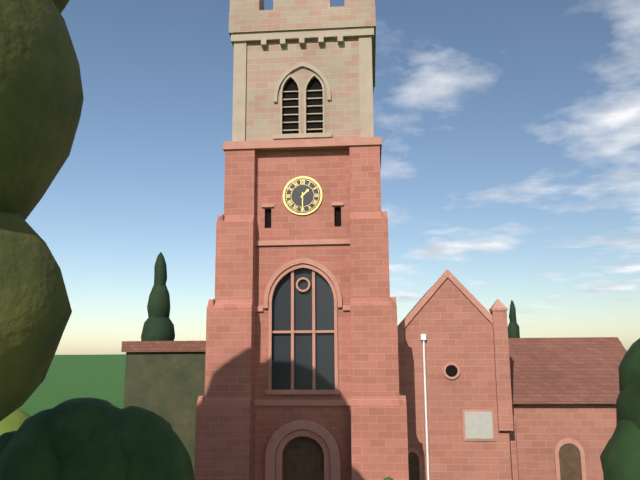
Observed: 1 h 30 min
